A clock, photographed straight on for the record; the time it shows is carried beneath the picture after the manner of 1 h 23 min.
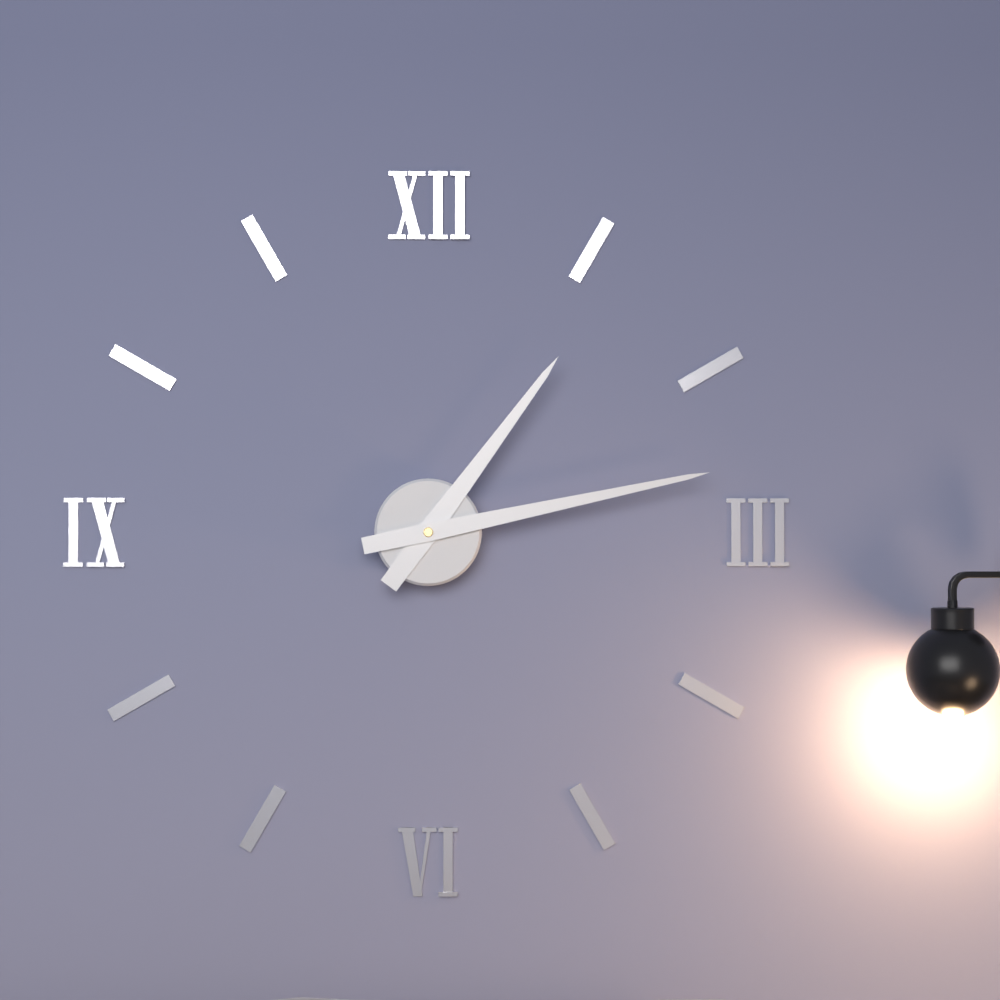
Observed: 1 h 13 min
